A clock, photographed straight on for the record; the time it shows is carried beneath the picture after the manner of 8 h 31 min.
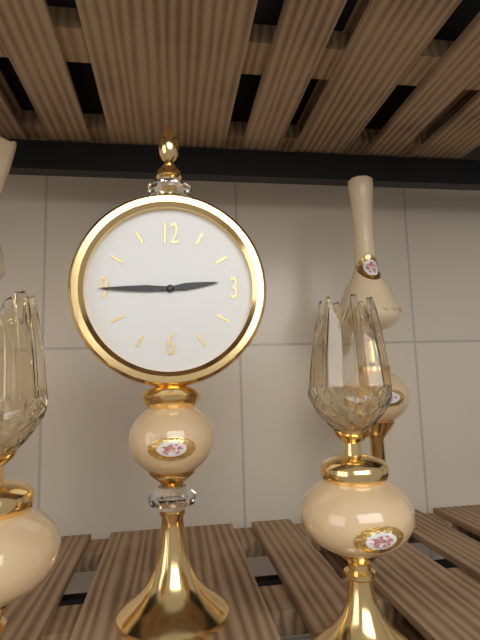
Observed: 2 h 45 min
